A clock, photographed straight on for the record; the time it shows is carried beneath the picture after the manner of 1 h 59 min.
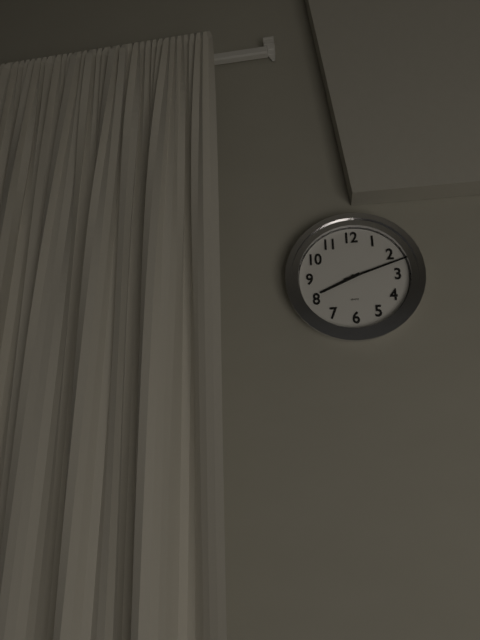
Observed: 8 h 12 min
